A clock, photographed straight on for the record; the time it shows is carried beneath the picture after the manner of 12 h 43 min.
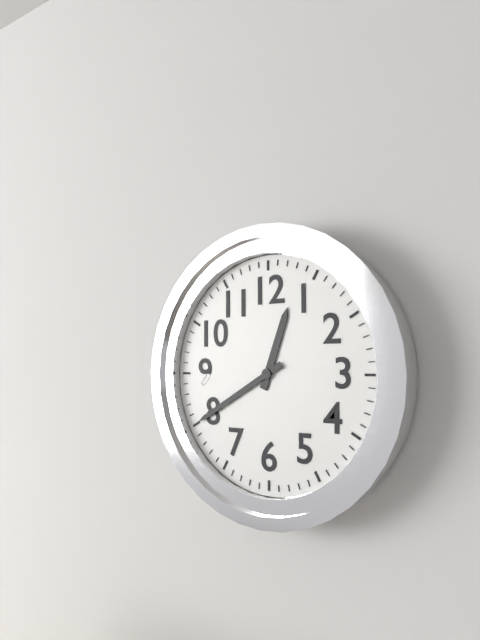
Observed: 12 h 40 min
